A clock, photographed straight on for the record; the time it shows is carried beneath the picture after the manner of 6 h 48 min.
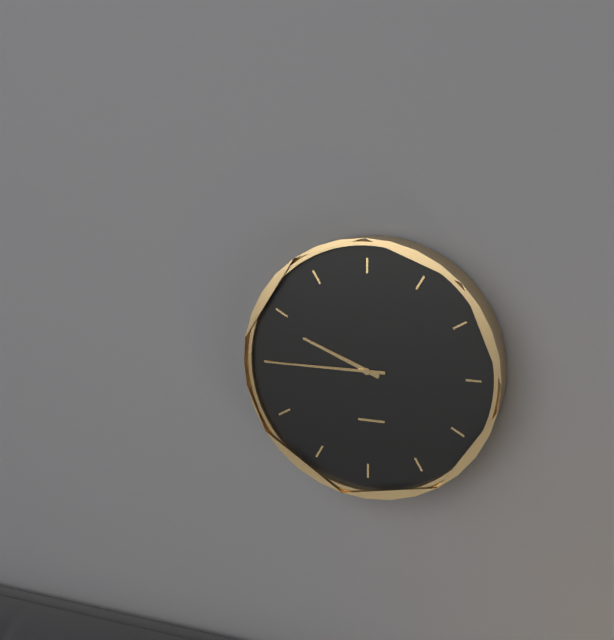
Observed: 9 h 45 min
